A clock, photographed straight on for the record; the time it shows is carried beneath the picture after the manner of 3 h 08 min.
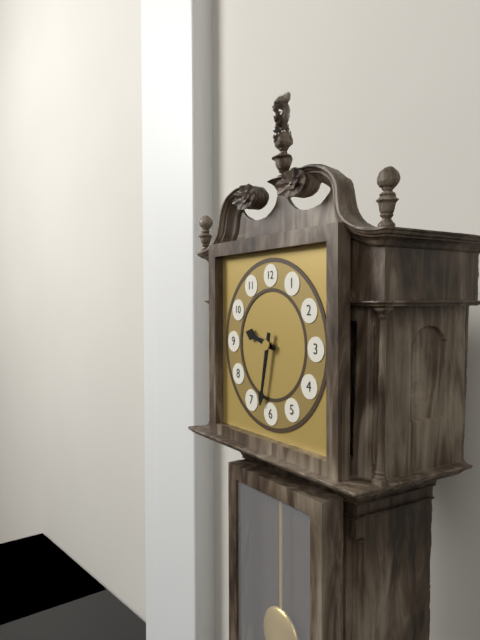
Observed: 9 h 32 min
